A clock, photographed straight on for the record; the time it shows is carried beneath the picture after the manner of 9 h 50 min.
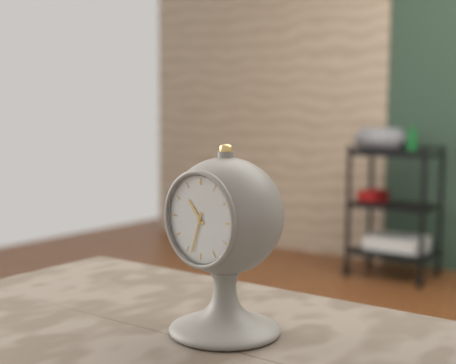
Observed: 10 h 33 min
